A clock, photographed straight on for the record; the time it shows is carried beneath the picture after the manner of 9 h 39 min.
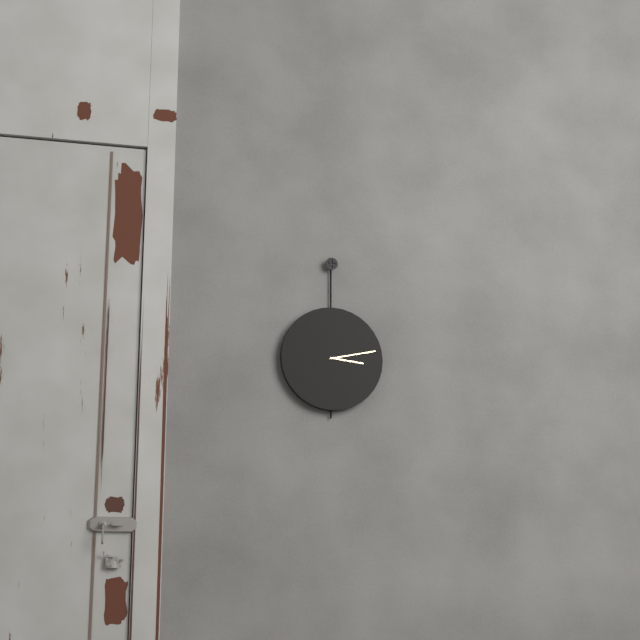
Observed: 3 h 13 min
